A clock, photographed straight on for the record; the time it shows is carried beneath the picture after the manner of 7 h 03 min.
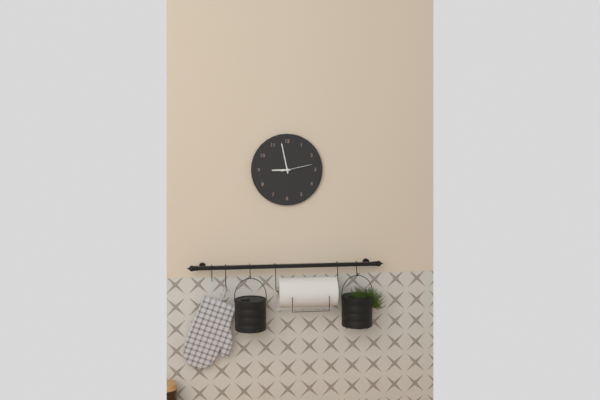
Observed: 8 h 58 min
